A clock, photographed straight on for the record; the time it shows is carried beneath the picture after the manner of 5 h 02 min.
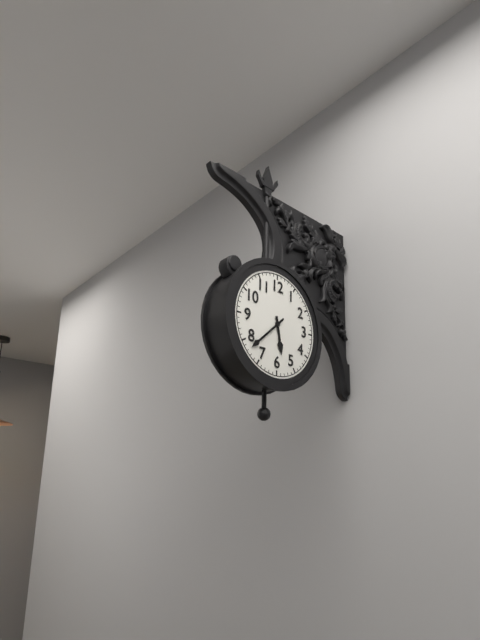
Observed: 5 h 38 min
